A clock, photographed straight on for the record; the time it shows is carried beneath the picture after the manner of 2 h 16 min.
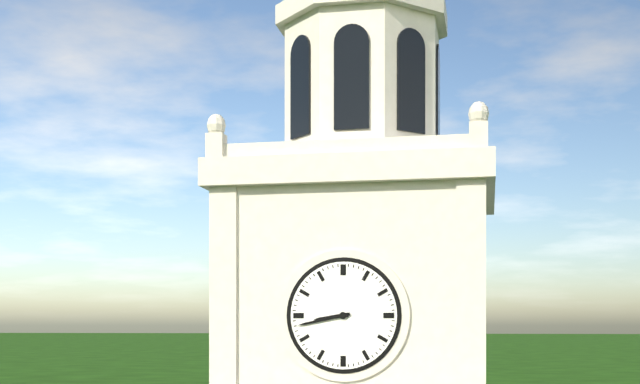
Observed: 8 h 43 min
